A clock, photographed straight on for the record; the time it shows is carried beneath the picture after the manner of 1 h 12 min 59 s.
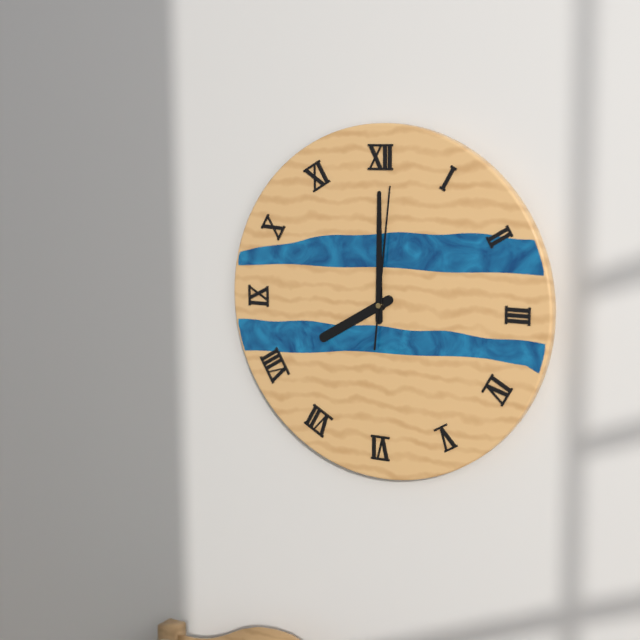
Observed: 8 h 00 min 01 s
